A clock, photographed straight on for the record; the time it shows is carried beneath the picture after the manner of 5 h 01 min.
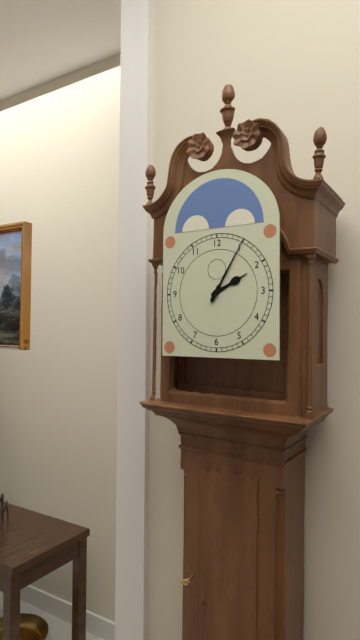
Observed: 2 h 05 min
